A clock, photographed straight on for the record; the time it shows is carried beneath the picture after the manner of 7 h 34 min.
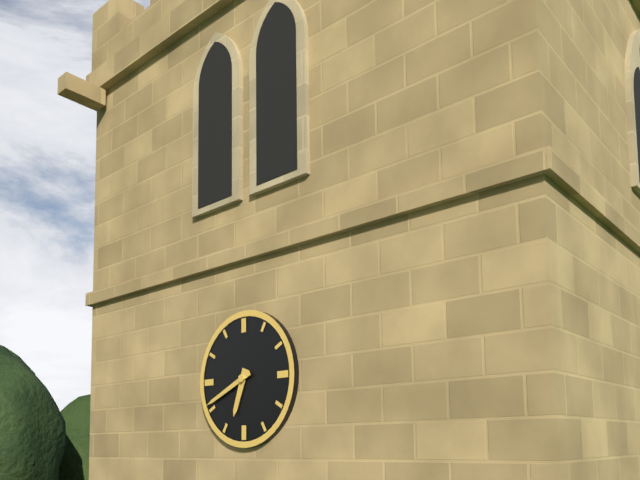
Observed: 6 h 41 min
